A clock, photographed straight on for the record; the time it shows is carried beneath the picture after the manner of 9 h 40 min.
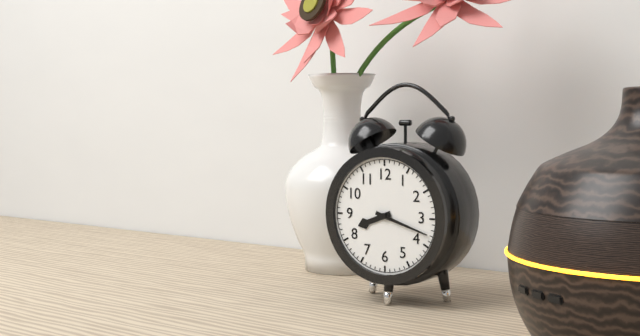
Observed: 8 h 18 min
